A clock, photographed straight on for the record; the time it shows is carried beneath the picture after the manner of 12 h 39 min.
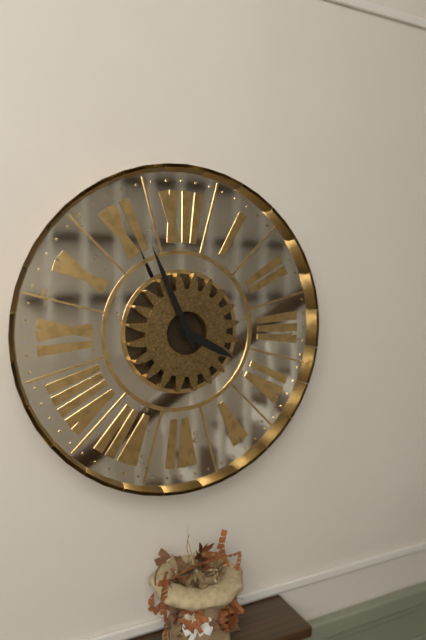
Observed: 3 h 56 min
